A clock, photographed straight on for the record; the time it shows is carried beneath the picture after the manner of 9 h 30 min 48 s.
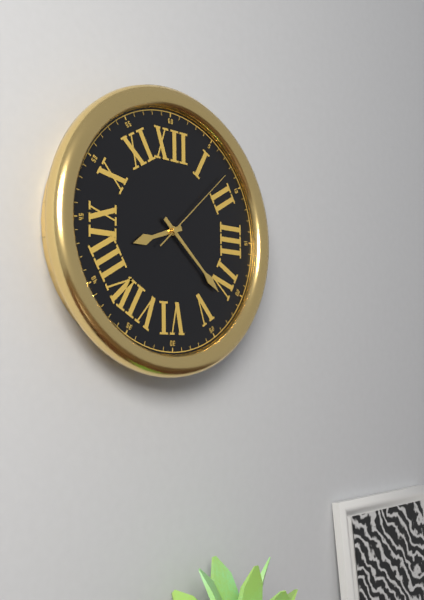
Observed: 8 h 22 min 08 s
